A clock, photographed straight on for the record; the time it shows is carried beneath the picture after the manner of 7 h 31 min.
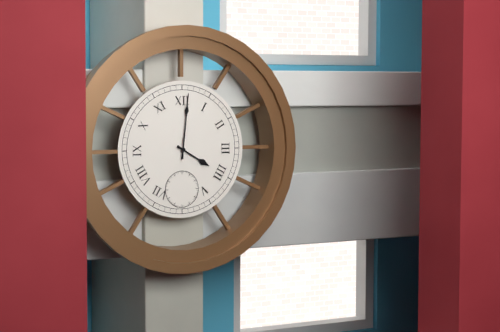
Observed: 4 h 01 min
